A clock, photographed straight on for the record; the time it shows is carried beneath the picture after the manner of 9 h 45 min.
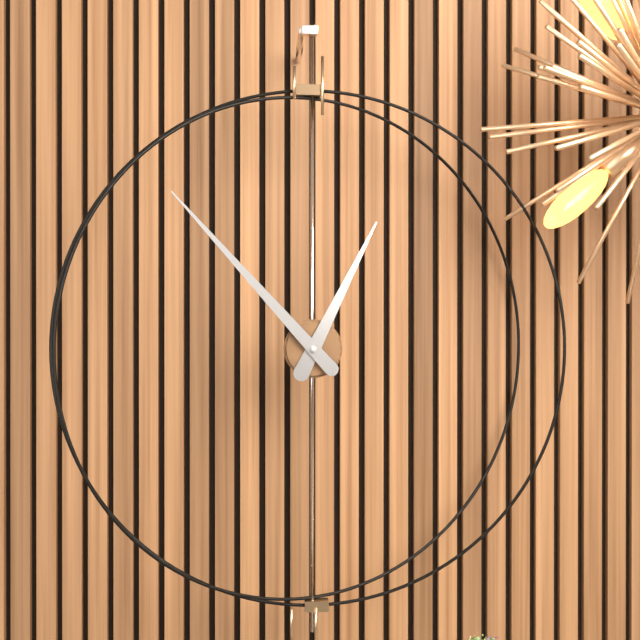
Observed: 12 h 53 min
